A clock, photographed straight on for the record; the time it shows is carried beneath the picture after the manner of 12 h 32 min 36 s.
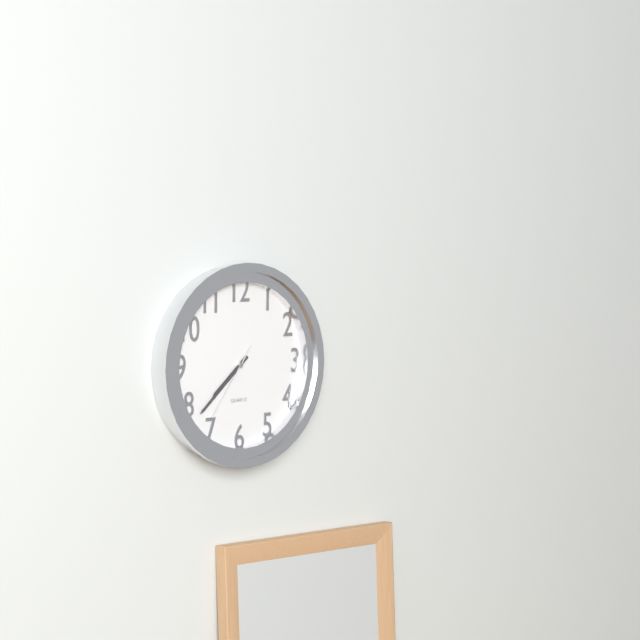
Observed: 7 h 38 min 36 s
